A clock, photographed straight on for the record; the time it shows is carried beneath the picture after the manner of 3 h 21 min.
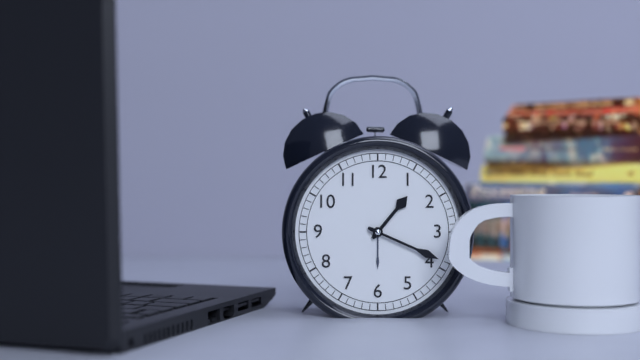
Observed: 1 h 19 min
